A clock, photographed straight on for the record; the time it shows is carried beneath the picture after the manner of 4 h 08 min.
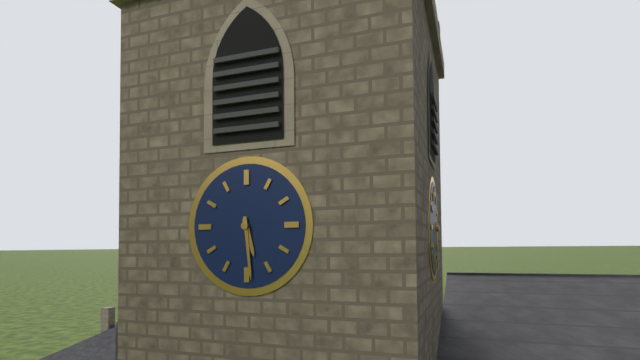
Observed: 5 h 29 min
